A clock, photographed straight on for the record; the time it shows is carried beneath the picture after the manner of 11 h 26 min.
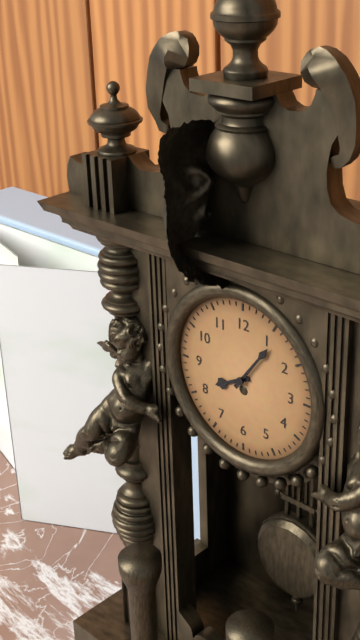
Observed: 8 h 06 min
